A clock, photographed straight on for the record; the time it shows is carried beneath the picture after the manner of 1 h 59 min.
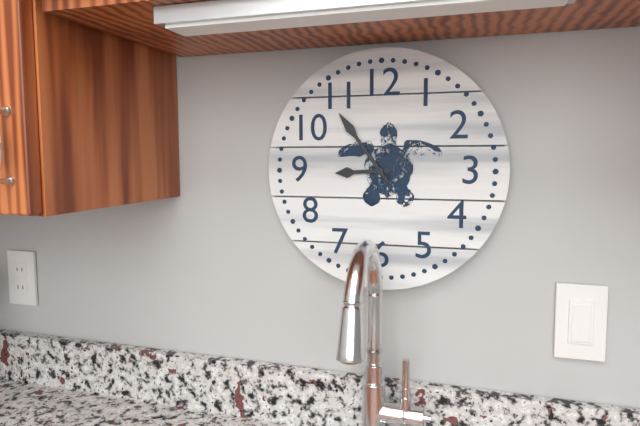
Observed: 8 h 54 min
